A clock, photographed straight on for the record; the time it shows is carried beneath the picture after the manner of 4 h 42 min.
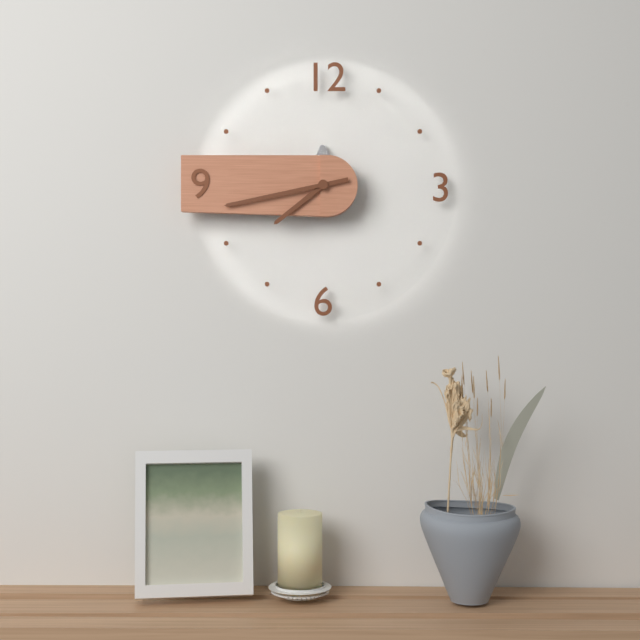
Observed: 7 h 43 min
